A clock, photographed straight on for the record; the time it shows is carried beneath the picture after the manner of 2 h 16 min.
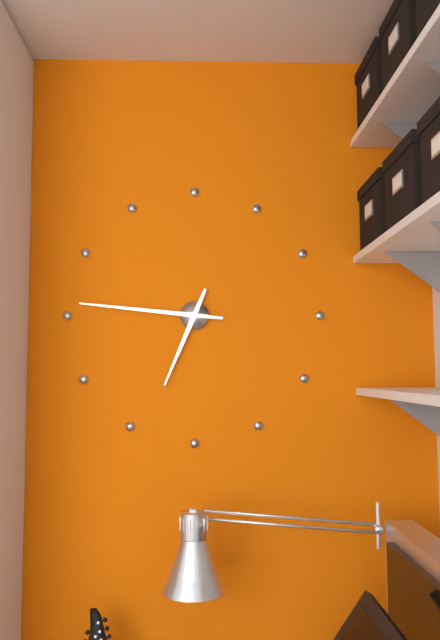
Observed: 6 h 46 min
